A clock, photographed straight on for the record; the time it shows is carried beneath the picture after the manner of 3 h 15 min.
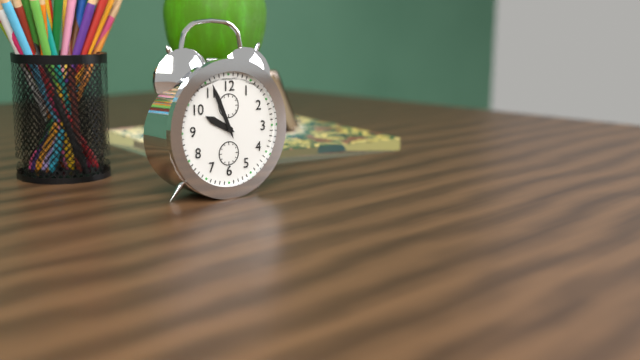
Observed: 9 h 56 min
